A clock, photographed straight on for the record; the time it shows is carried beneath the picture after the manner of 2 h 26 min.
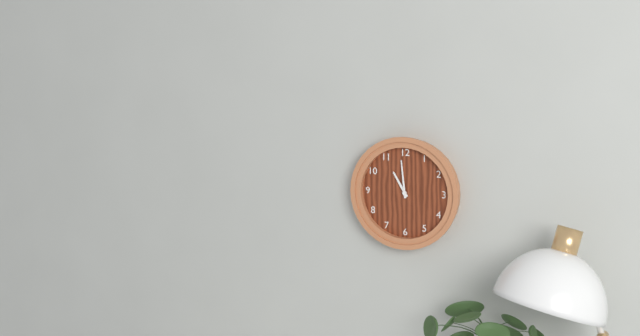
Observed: 10 h 59 min
